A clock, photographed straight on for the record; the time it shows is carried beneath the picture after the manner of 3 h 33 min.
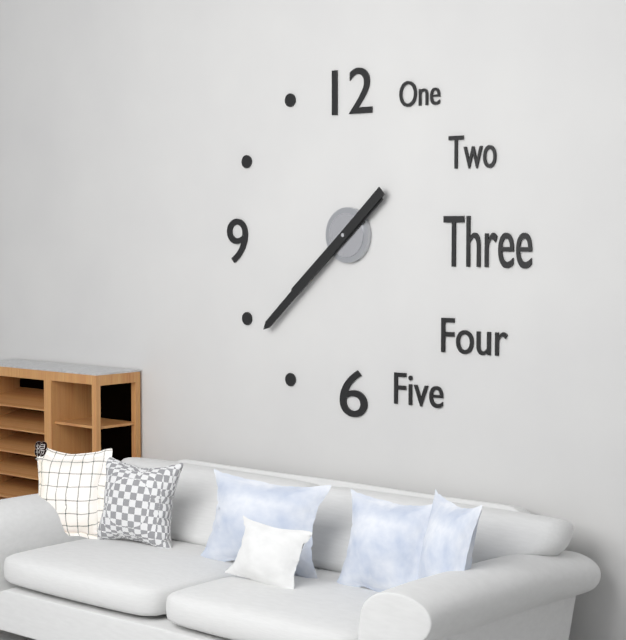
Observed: 7 h 38 min
